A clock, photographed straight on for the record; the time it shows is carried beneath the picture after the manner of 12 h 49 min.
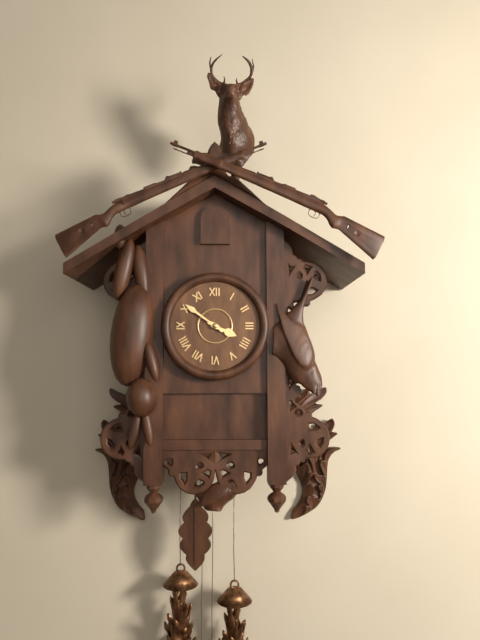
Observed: 3 h 51 min
